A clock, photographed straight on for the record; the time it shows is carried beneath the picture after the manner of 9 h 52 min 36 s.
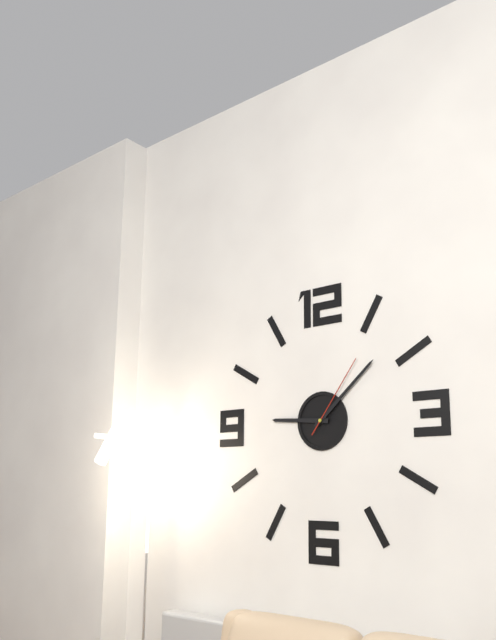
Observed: 9 h 08 min 06 s
